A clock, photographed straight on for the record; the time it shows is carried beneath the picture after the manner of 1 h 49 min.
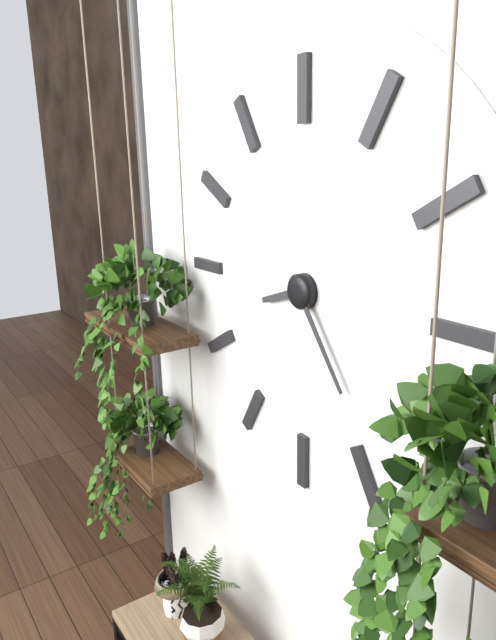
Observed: 8 h 24 min
